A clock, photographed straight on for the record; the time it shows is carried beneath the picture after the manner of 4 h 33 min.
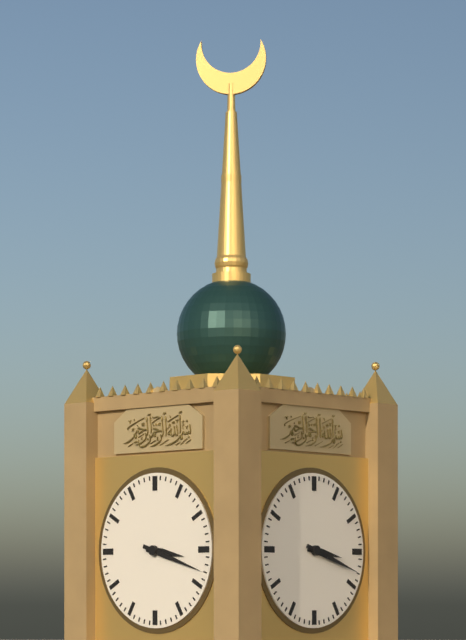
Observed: 3 h 18 min
